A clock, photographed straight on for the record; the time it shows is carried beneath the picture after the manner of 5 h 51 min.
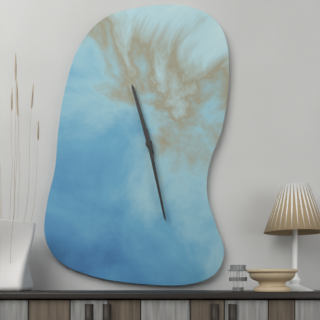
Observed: 11 h 28 min
